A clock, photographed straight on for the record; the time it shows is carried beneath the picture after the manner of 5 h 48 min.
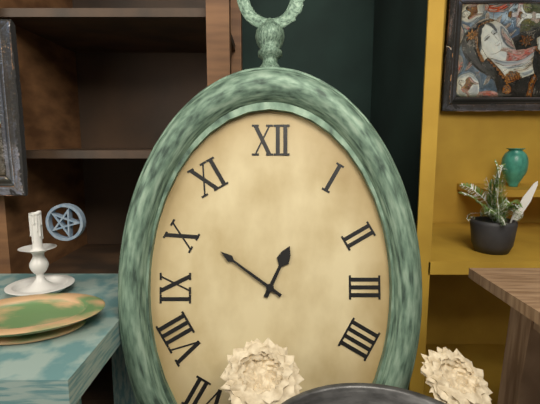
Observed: 12 h 51 min
